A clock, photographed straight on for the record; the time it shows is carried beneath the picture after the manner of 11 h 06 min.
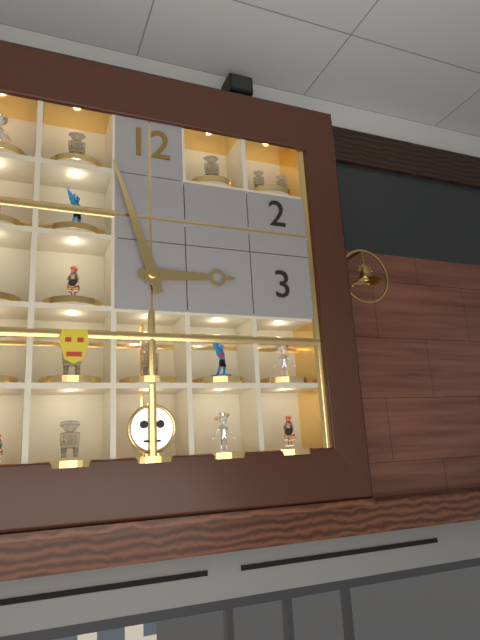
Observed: 2 h 57 min
